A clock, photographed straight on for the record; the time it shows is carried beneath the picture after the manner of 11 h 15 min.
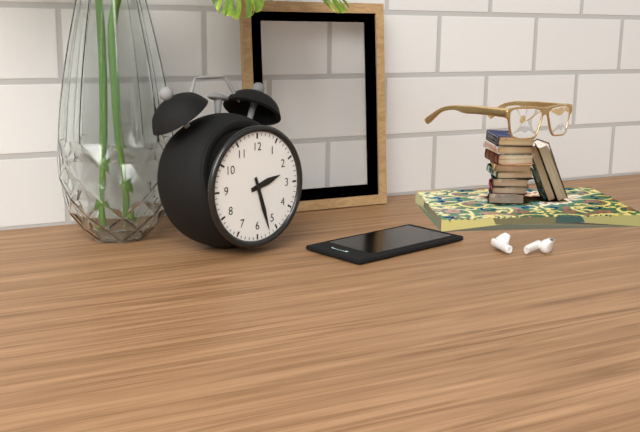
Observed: 2 h 27 min
